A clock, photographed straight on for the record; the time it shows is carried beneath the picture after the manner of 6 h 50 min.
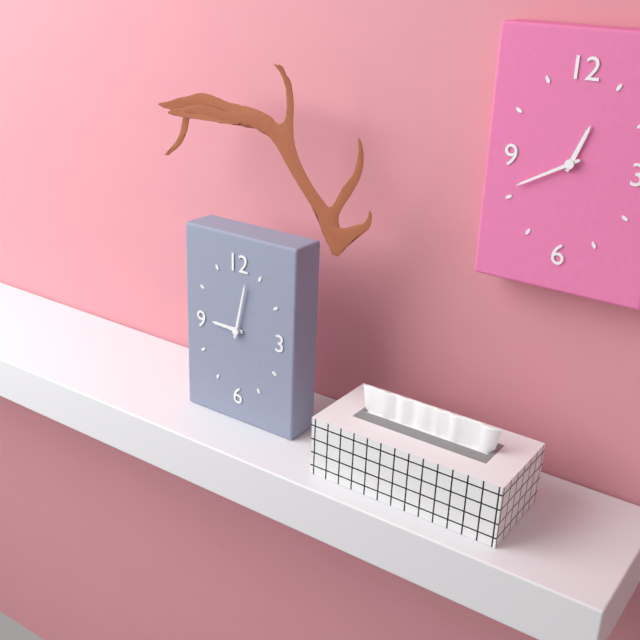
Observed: 9 h 02 min
